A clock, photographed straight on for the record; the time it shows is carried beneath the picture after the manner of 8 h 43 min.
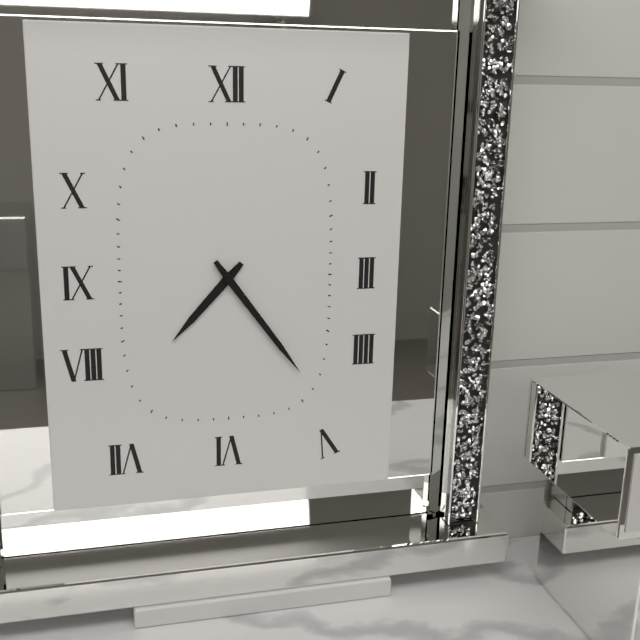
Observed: 7 h 24 min
